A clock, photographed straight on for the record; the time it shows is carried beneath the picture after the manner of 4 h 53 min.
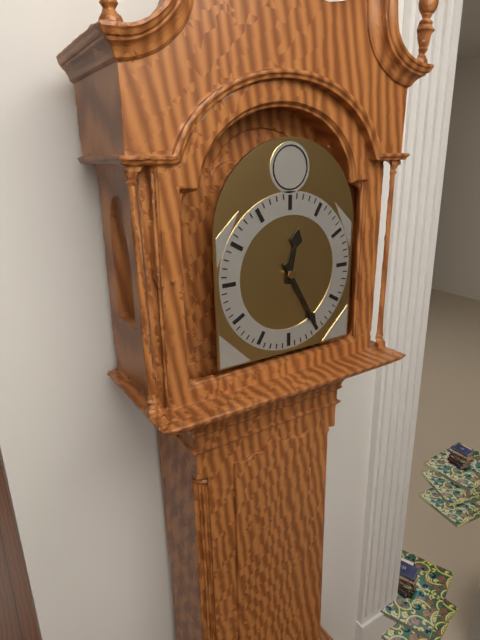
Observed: 12 h 25 min
